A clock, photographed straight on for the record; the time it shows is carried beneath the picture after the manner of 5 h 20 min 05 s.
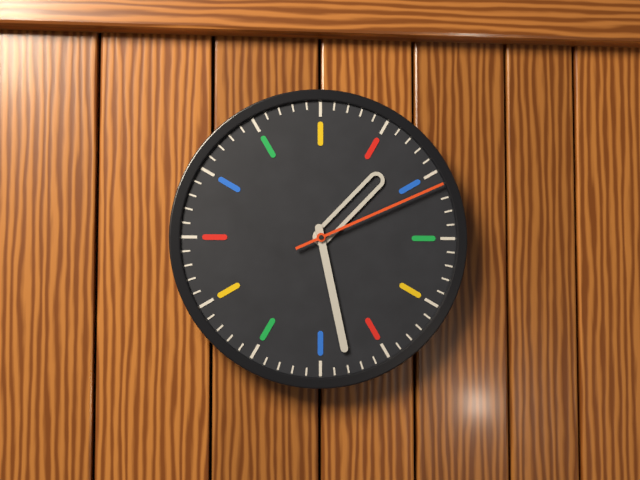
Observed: 1 h 28 min 11 s
